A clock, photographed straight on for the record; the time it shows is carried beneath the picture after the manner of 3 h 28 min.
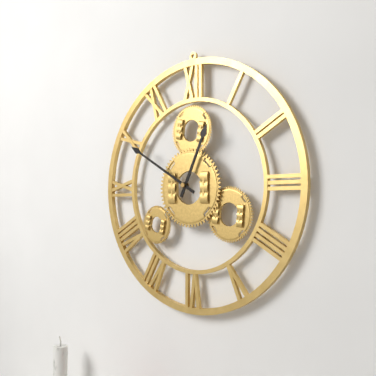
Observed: 12 h 50 min
